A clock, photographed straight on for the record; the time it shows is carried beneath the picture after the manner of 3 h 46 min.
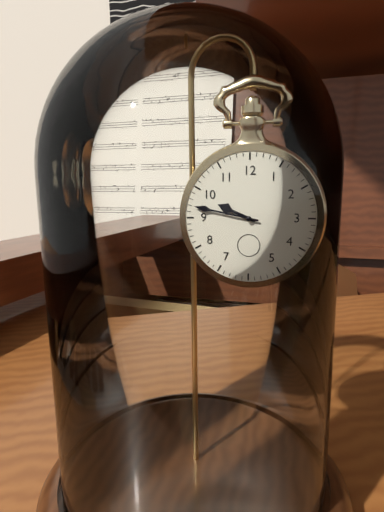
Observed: 9 h 47 min
